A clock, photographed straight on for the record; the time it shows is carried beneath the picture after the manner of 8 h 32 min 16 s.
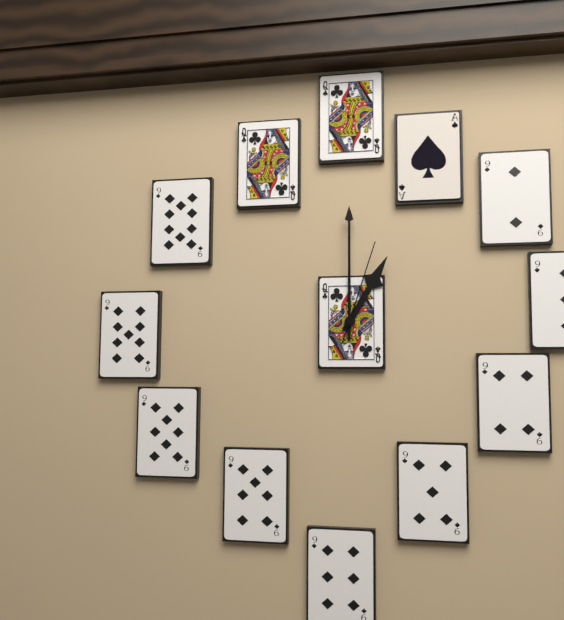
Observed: 1 h 00 min 03 s
